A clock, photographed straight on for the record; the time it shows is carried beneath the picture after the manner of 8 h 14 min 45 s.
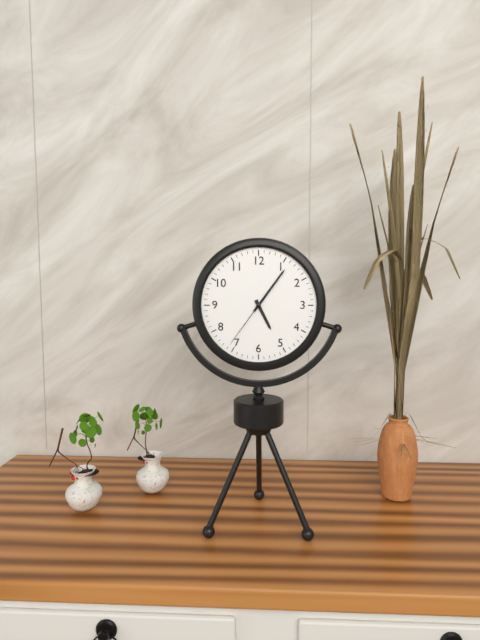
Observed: 5 h 06 min 36 s
